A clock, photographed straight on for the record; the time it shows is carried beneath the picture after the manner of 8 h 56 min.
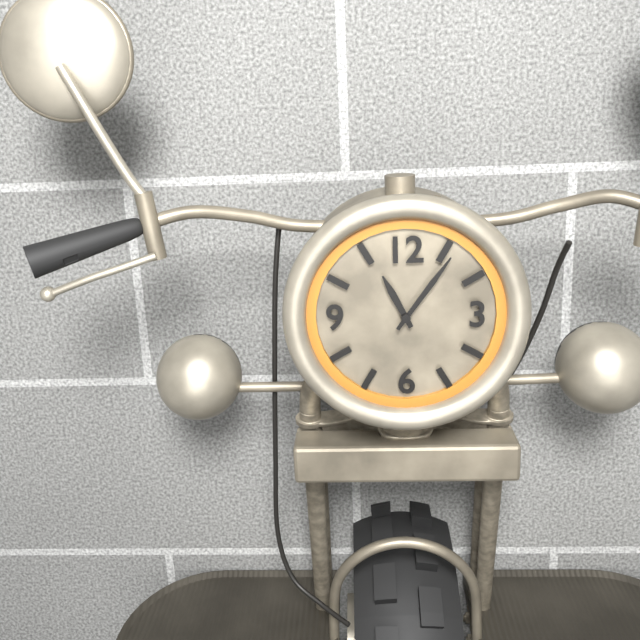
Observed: 11 h 06 min
